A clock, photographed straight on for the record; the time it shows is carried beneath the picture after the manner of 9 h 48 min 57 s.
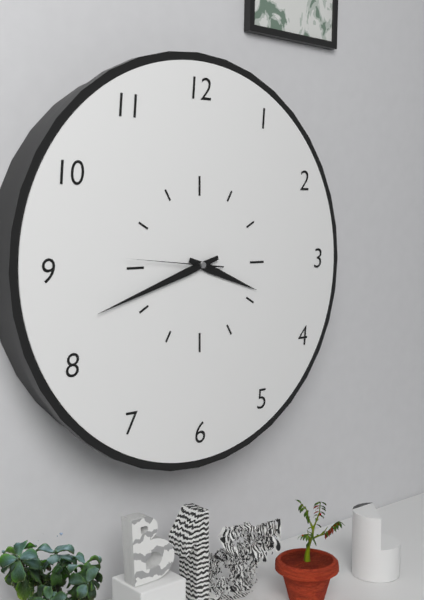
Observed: 3 h 42 min 46 s
